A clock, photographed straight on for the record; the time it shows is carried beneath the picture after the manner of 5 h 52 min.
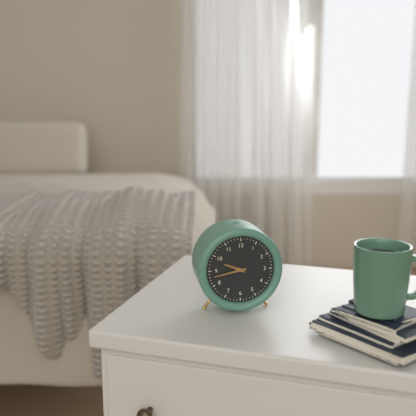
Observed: 9 h 43 min
